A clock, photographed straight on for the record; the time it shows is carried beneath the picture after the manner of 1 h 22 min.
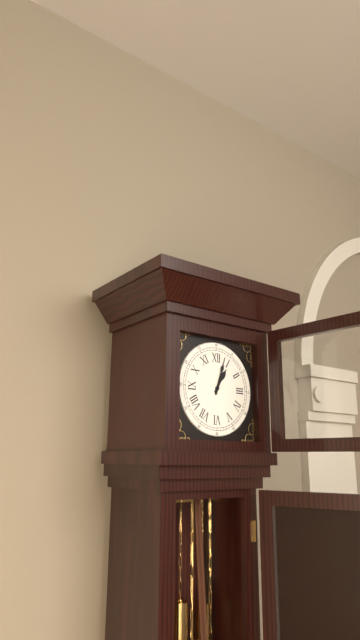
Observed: 1 h 03 min
